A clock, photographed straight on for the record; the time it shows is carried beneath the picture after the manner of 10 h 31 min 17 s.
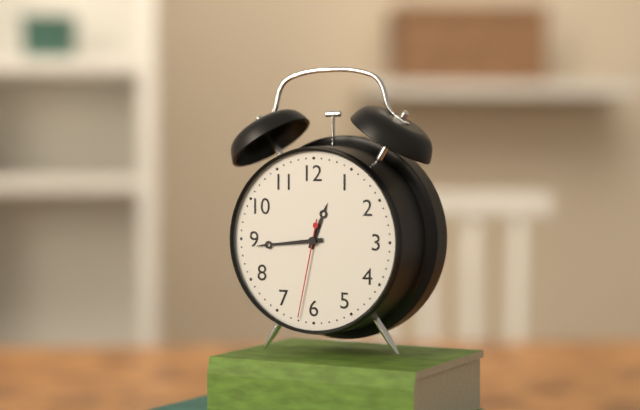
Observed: 12 h 44 min 32 s
